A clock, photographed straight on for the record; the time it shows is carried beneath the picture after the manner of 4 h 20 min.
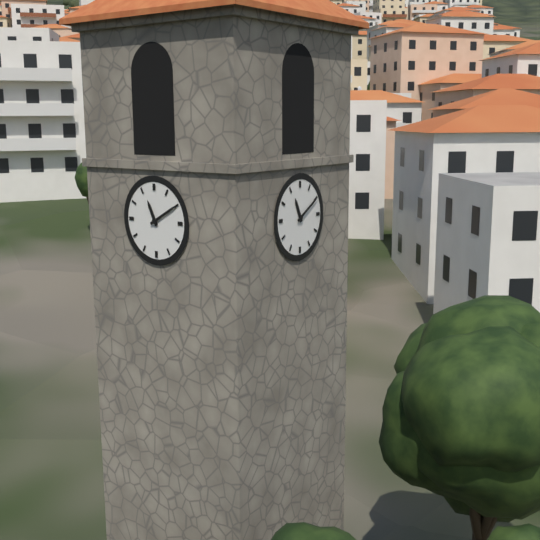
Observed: 11 h 10 min
